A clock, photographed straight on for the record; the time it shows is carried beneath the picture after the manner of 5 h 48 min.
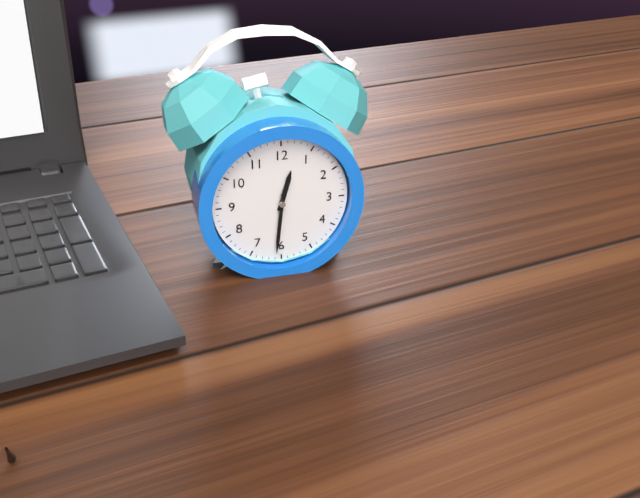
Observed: 12 h 31 min
